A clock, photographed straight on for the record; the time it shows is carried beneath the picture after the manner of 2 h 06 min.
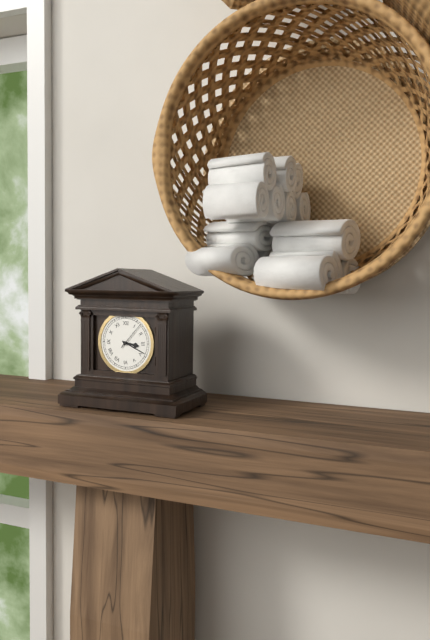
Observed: 3 h 19 min
